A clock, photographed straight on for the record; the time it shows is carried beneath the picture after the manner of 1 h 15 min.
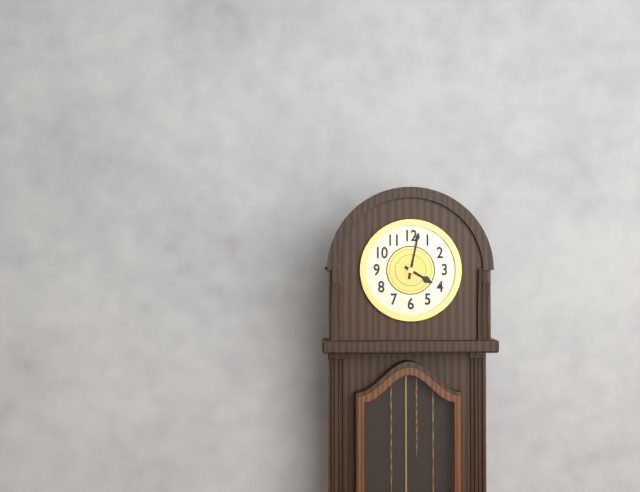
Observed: 4 h 02 min
